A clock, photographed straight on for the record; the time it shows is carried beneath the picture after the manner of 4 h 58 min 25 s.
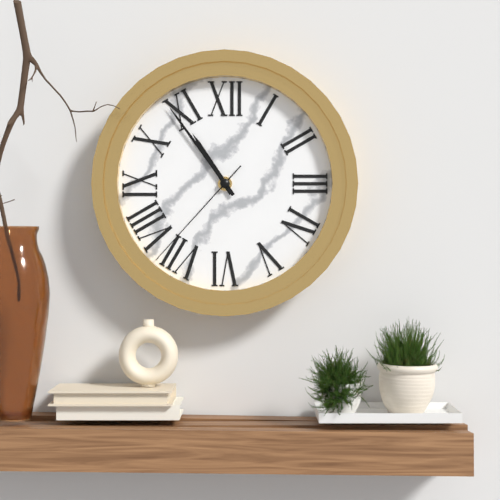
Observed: 10 h 54 min 37 s
